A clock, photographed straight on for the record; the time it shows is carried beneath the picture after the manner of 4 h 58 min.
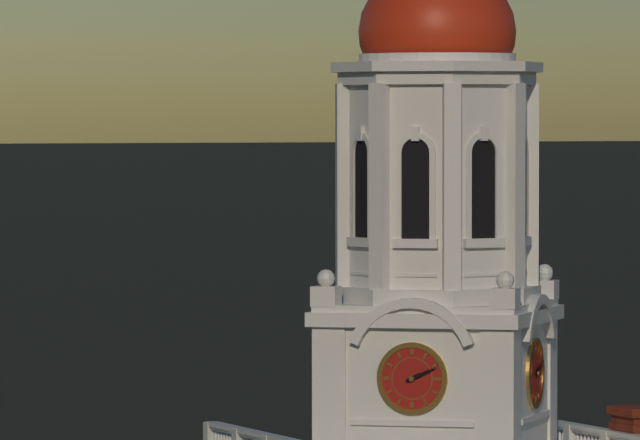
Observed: 2 h 11 min
